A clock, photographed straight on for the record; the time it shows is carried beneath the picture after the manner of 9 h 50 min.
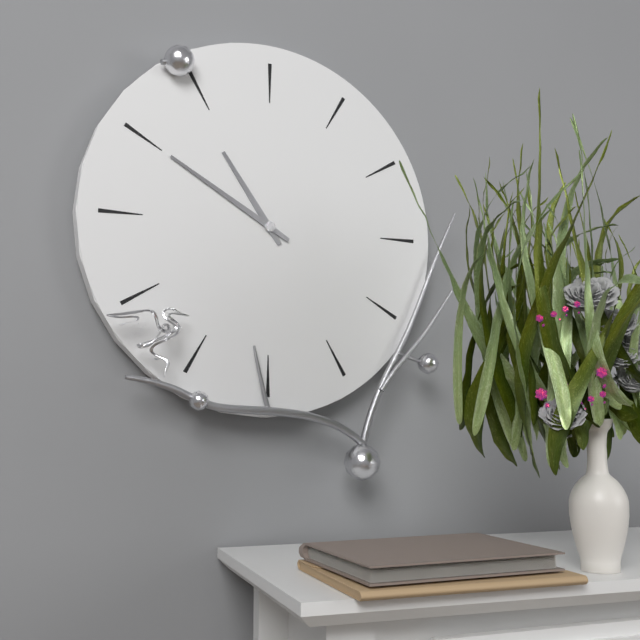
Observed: 10 h 50 min
